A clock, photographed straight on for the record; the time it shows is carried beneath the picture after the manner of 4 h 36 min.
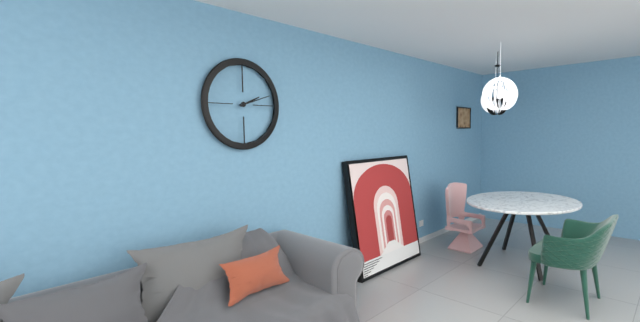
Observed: 2 h 12 min
